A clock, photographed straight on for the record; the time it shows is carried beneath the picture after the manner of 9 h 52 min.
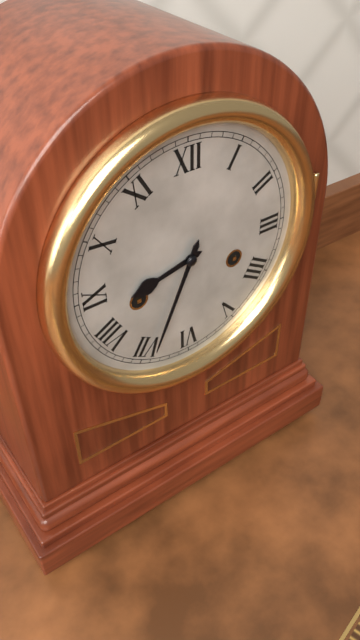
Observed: 8 h 34 min
